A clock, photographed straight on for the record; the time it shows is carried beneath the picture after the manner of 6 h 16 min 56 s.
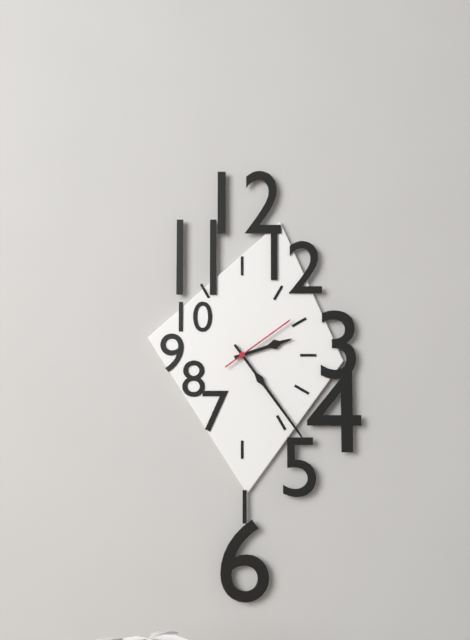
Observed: 2 h 24 min 09 s
